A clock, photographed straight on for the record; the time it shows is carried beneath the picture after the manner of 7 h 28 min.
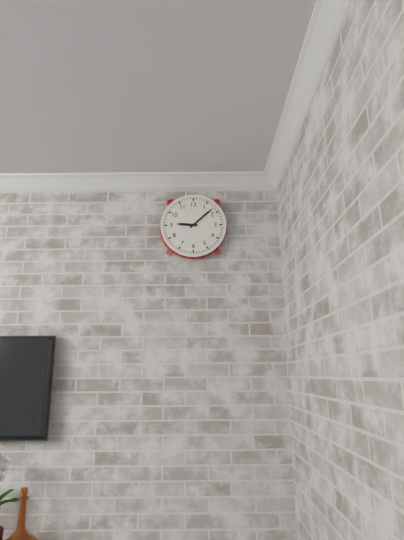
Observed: 9 h 08 min
